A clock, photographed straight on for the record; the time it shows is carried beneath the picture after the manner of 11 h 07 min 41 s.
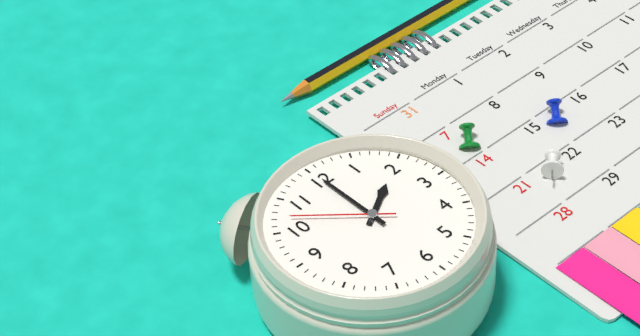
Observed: 2 h 00 min 52 s
